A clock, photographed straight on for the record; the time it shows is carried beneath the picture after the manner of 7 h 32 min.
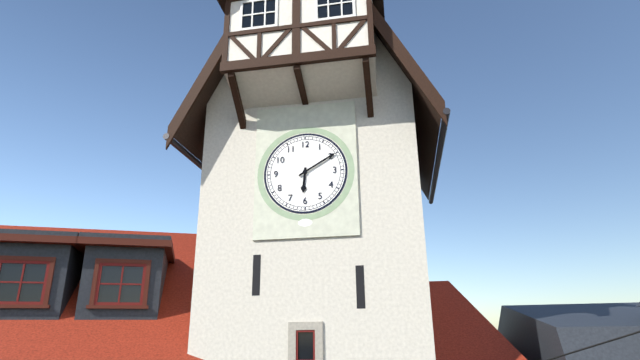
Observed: 6 h 10 min
